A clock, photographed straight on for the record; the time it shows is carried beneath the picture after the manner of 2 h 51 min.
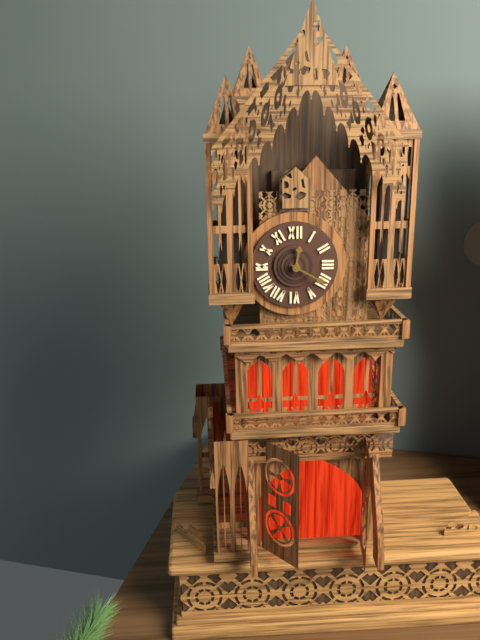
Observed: 12 h 20 min
